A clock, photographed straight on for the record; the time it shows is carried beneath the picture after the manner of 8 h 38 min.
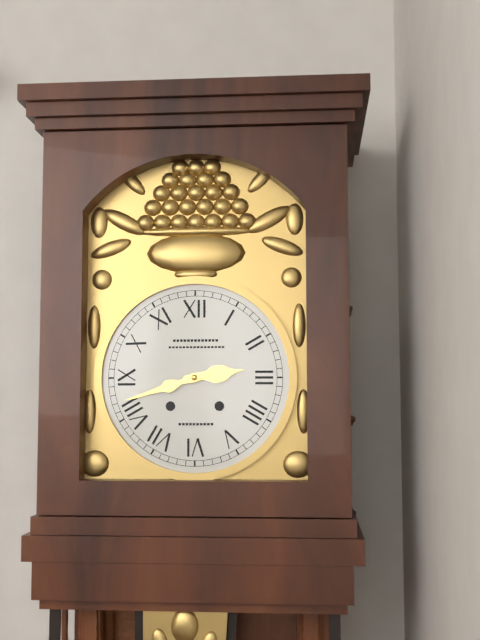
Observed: 2 h 42 min
